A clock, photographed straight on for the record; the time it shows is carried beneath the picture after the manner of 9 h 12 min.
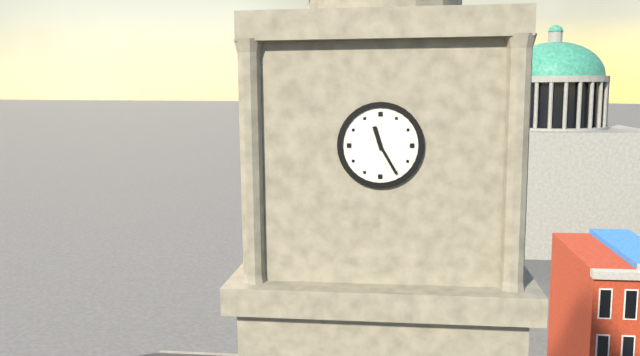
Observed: 11 h 25 min
